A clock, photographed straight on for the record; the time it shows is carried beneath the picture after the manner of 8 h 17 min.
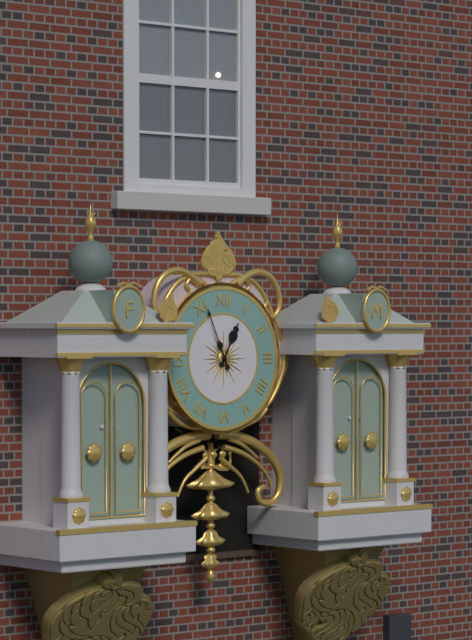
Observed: 12 h 56 min
